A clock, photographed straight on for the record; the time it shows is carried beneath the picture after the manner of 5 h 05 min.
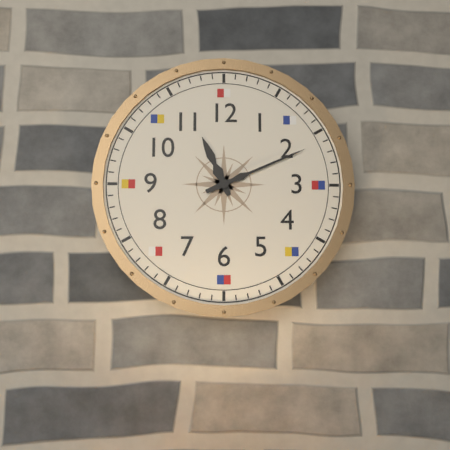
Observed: 11 h 11 min
